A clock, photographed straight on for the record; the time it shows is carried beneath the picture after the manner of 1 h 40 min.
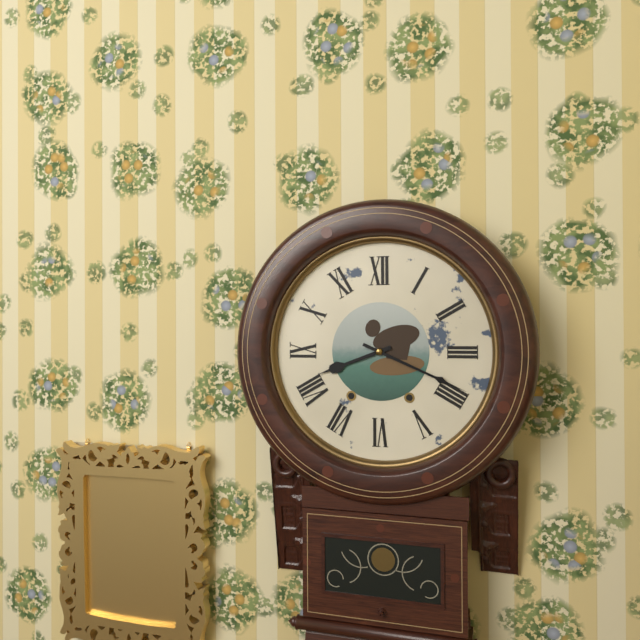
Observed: 8 h 19 min
